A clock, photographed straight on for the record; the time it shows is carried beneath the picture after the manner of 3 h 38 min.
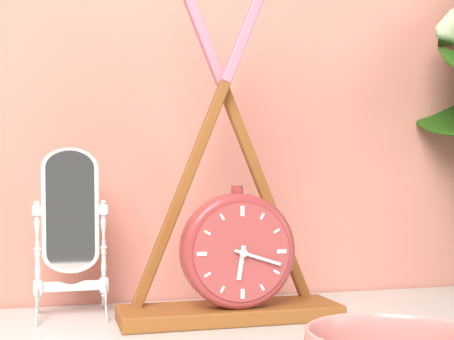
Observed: 6 h 18 min
